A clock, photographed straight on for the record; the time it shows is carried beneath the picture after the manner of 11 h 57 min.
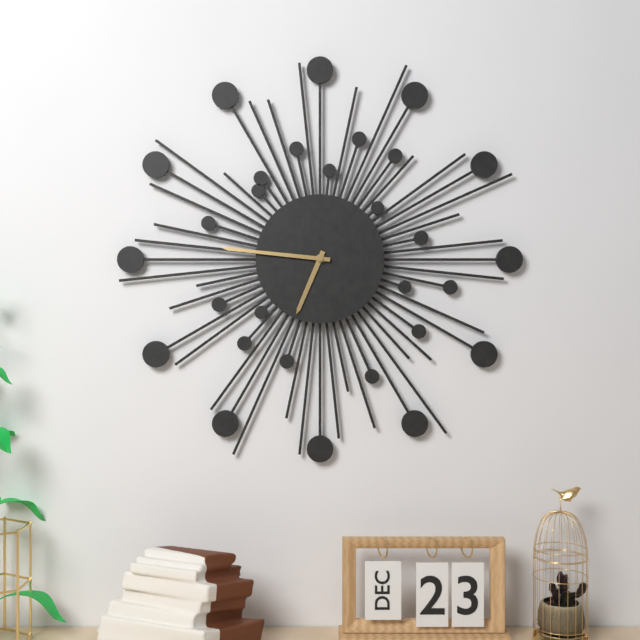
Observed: 6 h 46 min
